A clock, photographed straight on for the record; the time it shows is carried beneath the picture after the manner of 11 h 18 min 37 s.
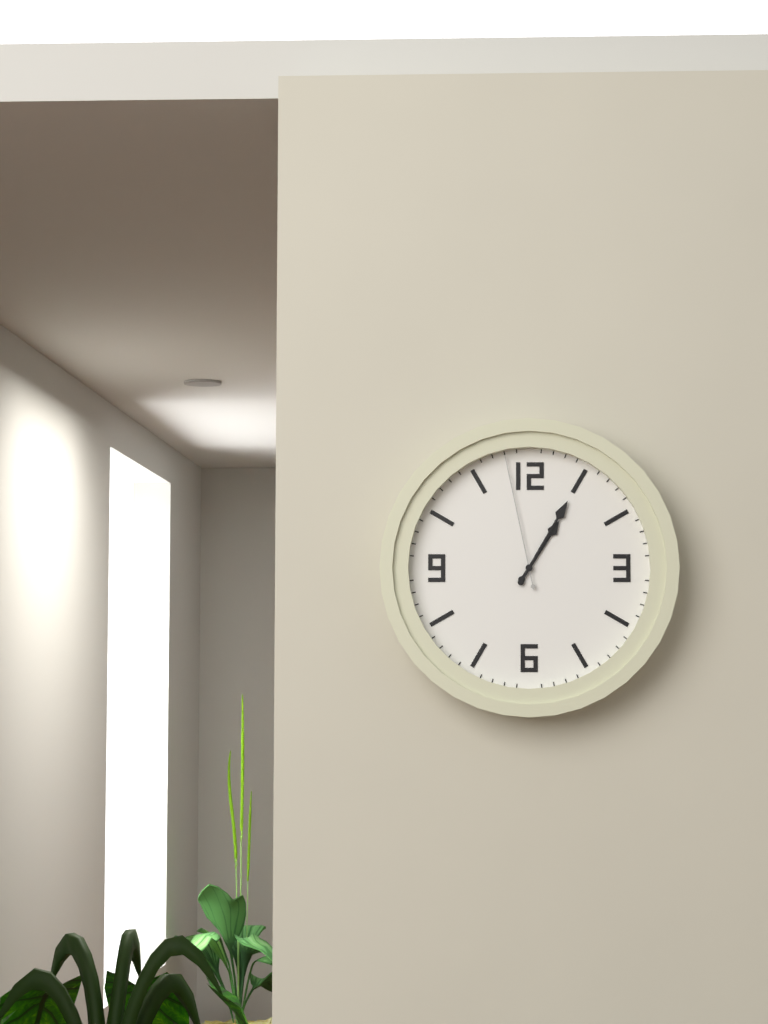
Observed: 1 h 05 min 58 s
